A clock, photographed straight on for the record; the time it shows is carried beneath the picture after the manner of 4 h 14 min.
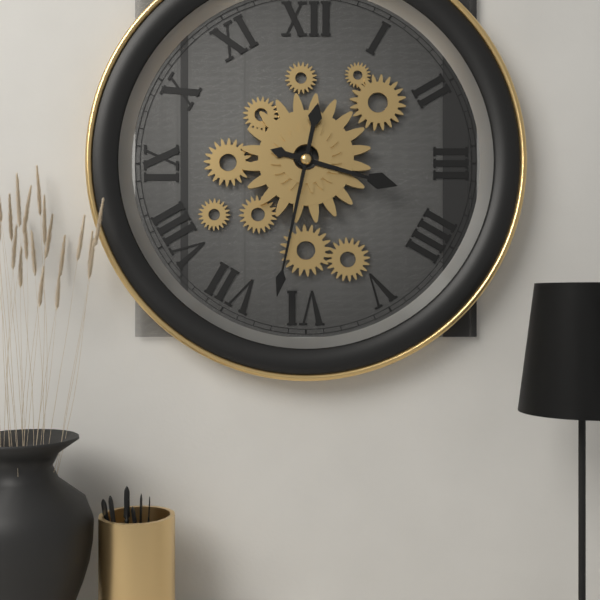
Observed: 3 h 32 min
